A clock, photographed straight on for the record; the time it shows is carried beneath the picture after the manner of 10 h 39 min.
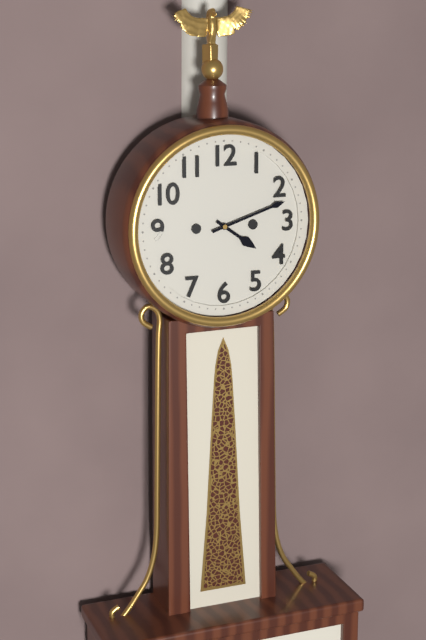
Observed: 4 h 12 min
